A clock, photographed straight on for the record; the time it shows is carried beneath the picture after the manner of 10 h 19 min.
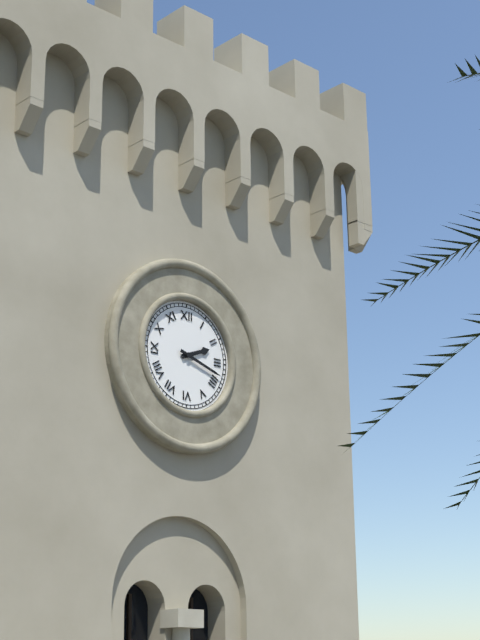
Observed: 2 h 18 min
